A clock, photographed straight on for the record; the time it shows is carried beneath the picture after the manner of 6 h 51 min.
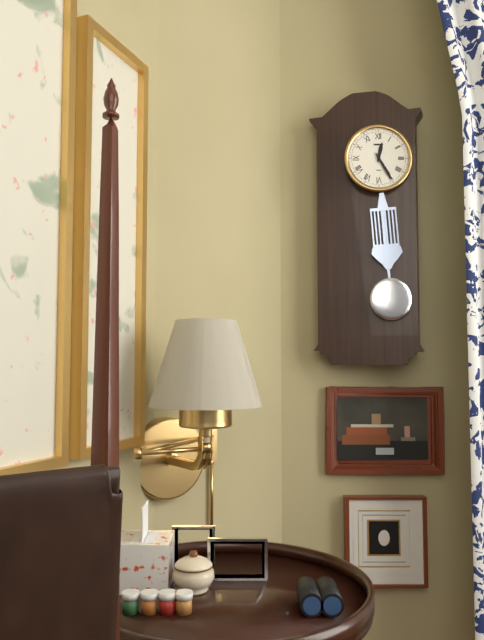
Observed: 12 h 25 min
